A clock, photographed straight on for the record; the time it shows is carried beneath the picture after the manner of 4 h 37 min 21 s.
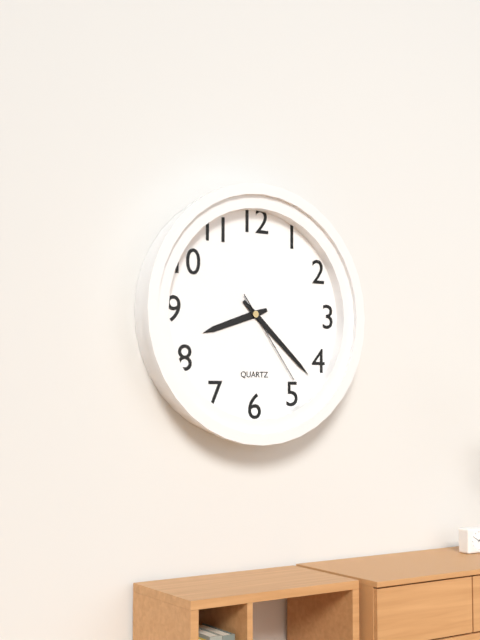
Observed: 8 h 22 min 24 s
